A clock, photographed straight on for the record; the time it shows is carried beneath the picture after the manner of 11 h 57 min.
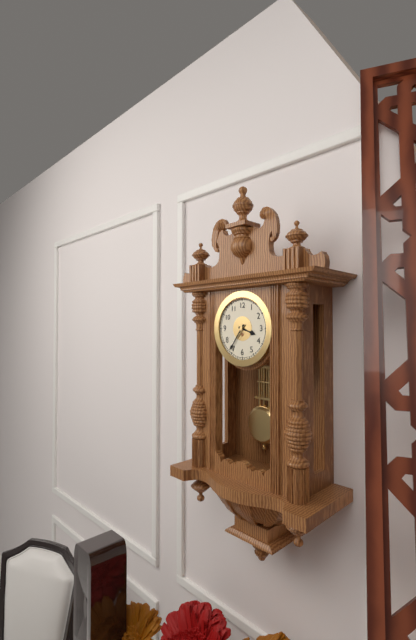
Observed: 3 h 36 min
